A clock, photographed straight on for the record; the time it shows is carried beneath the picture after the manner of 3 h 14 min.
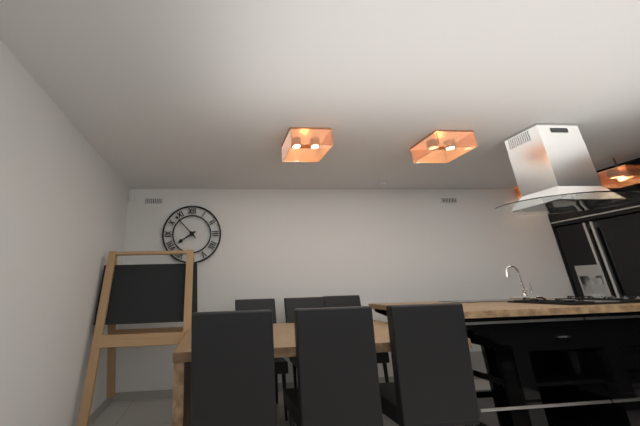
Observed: 7 h 53 min
